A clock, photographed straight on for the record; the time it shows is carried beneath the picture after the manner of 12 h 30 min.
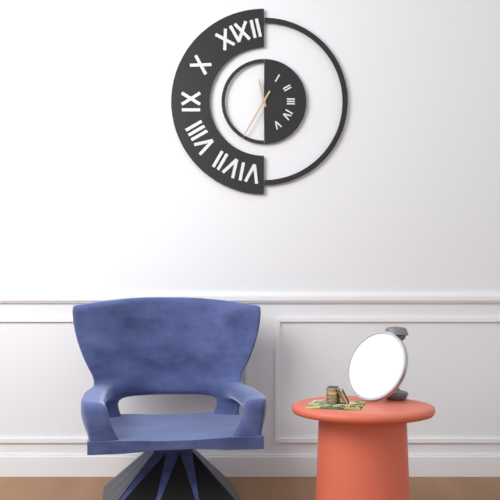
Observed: 11 h 35 min
